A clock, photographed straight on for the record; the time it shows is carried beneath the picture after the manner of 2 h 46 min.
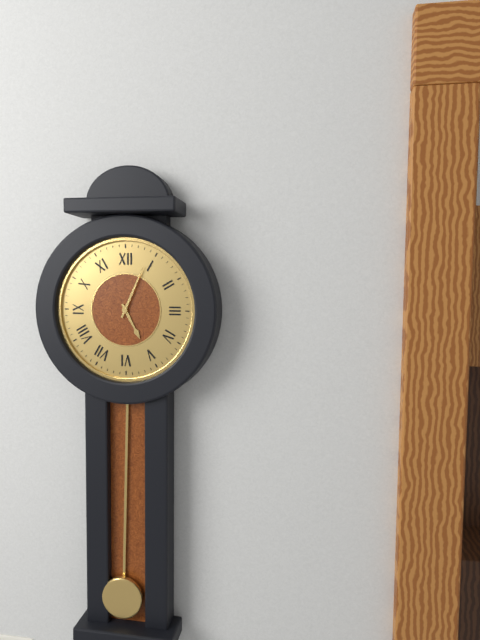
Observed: 5 h 04 min
